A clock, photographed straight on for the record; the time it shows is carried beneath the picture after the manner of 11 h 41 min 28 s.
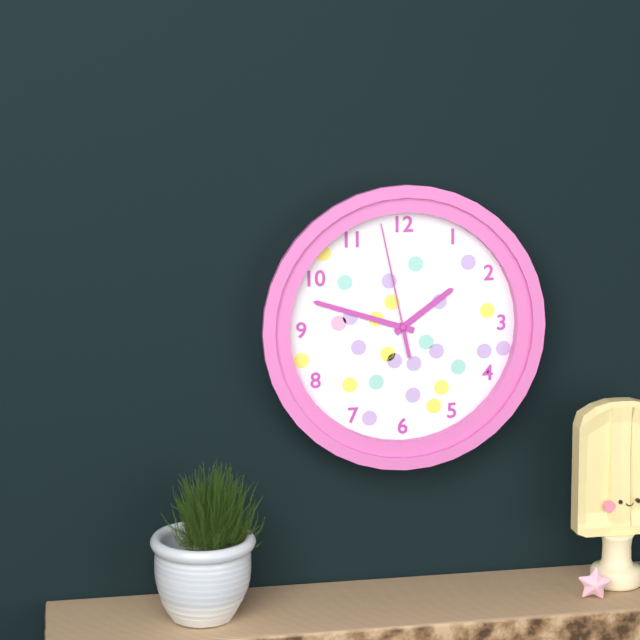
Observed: 1 h 48 min 58 s
